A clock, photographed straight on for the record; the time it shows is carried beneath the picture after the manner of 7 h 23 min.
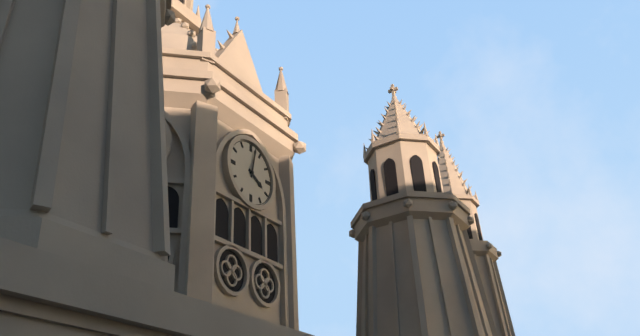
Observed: 4 h 02 min
